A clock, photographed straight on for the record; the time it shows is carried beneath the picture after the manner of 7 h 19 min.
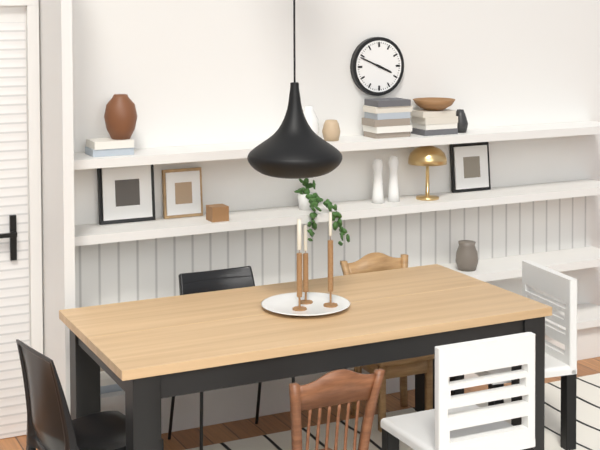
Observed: 3 h 49 min
